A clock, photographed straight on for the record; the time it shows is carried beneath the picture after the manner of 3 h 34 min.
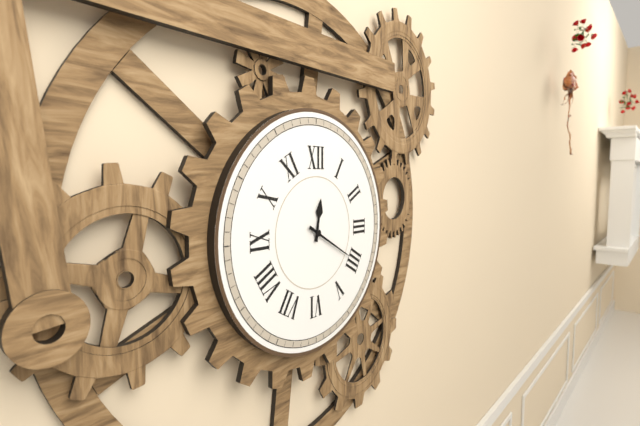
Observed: 12 h 20 min
